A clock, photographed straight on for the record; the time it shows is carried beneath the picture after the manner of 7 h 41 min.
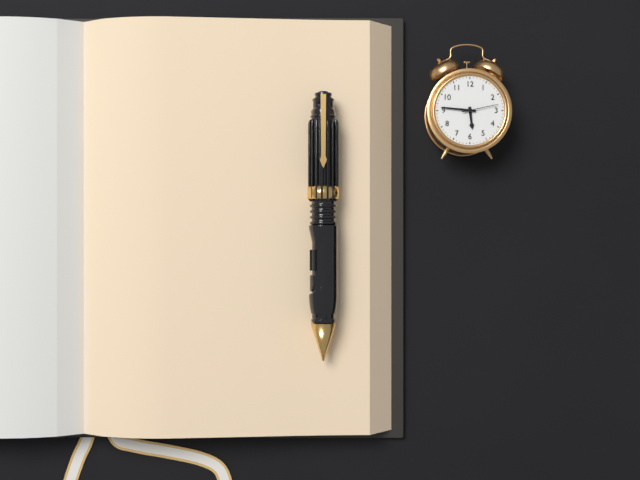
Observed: 5 h 46 min
